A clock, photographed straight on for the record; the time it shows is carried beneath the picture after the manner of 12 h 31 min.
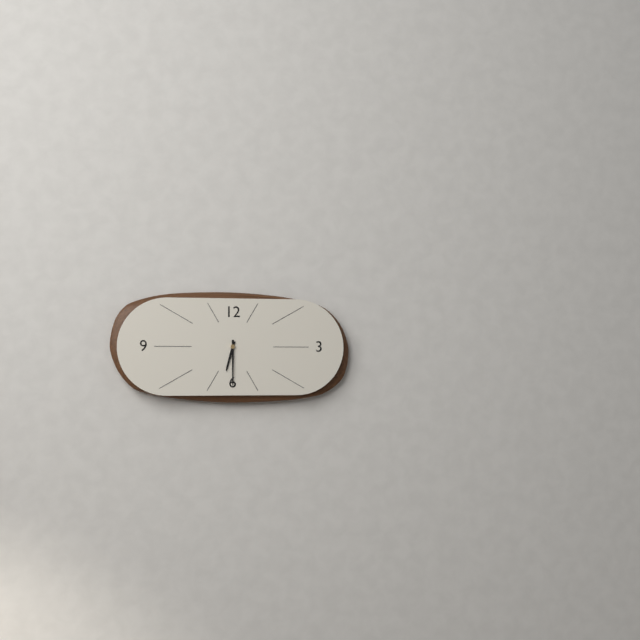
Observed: 6 h 30 min
